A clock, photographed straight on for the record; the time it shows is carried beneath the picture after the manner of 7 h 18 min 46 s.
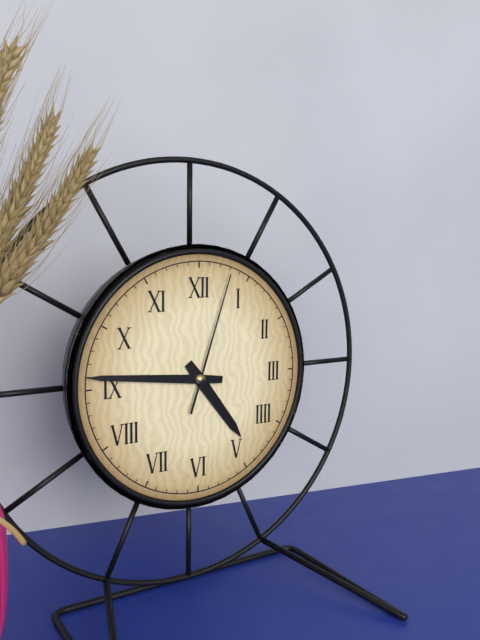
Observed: 4 h 46 min 03 s
